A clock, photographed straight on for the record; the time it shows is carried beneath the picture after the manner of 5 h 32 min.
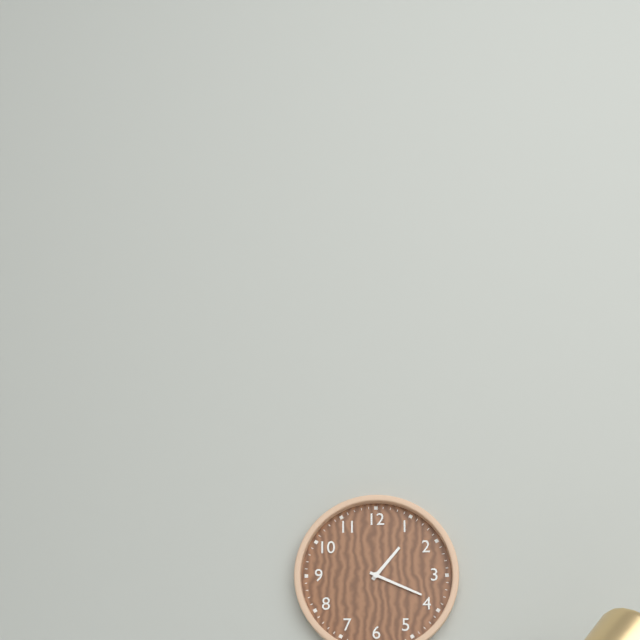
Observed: 1 h 19 min
